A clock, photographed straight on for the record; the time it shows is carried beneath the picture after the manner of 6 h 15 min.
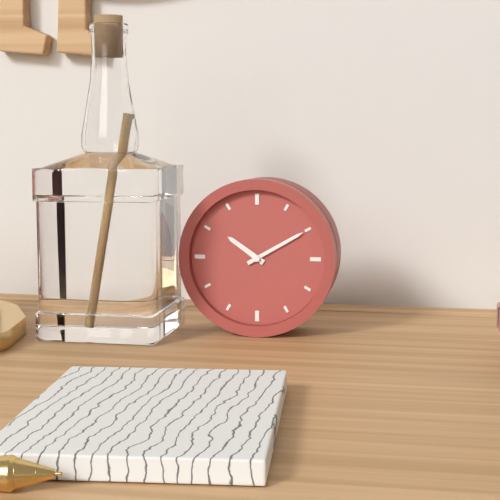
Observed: 10 h 10 min
